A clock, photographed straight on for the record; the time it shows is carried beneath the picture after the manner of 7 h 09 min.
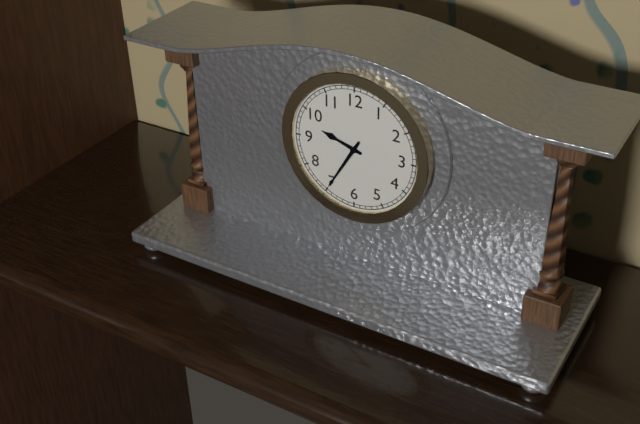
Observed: 9 h 35 min
